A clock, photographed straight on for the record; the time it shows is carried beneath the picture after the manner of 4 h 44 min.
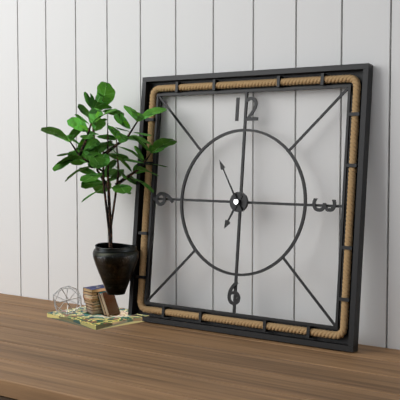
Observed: 6 h 55 min
